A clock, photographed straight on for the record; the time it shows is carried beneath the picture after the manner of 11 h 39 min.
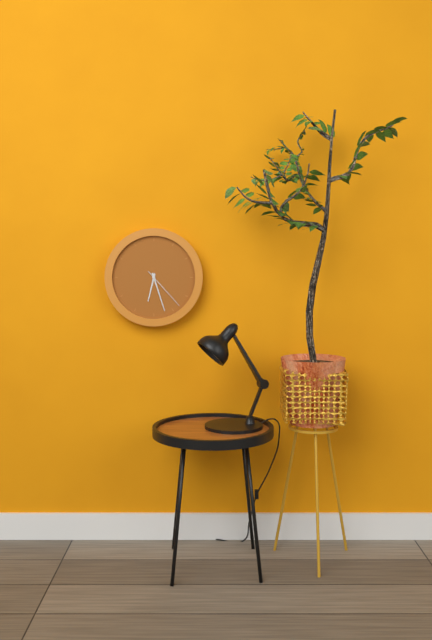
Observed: 6 h 27 min
